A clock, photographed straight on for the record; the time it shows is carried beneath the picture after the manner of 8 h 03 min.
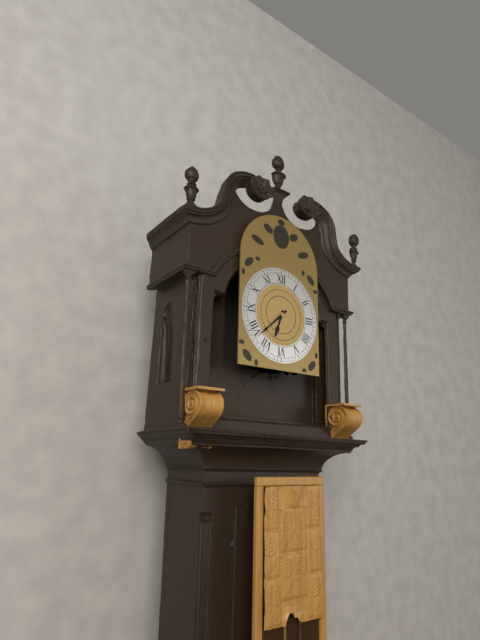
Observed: 6 h 38 min
